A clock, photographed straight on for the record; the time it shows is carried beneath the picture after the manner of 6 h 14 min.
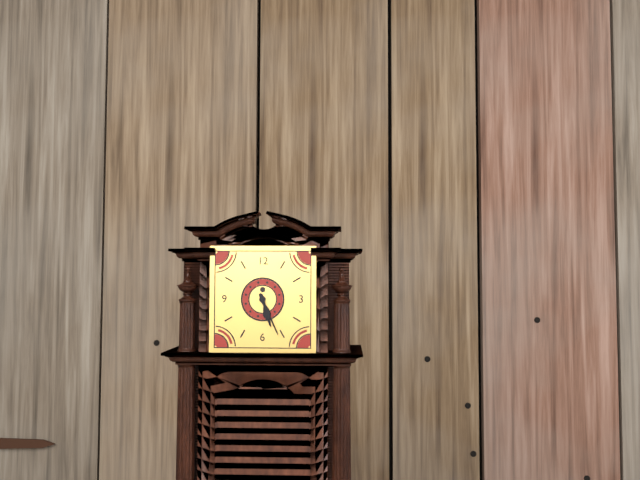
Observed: 5 h 26 min
